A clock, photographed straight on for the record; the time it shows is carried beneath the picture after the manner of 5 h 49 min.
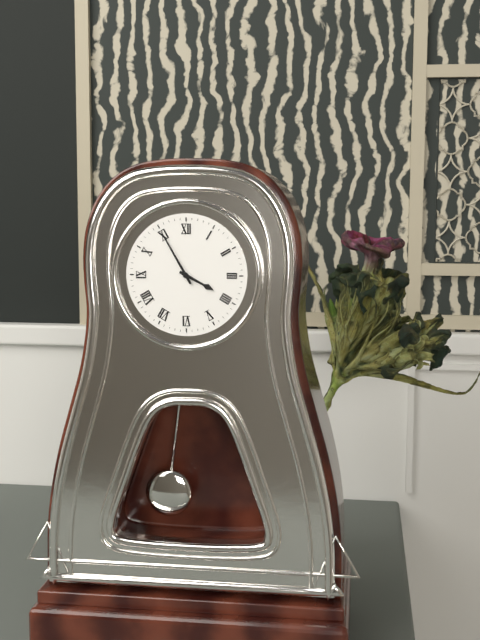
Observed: 3 h 55 min
